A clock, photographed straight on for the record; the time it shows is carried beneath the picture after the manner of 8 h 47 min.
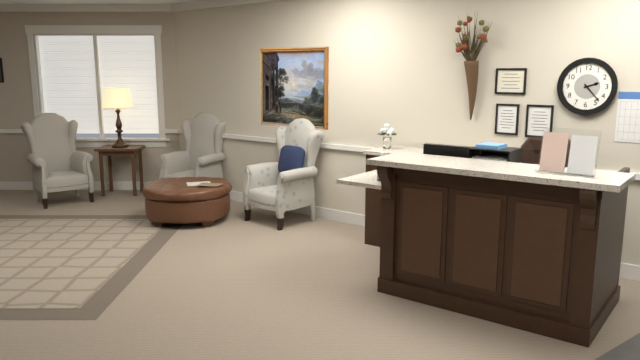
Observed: 2 h 23 min
